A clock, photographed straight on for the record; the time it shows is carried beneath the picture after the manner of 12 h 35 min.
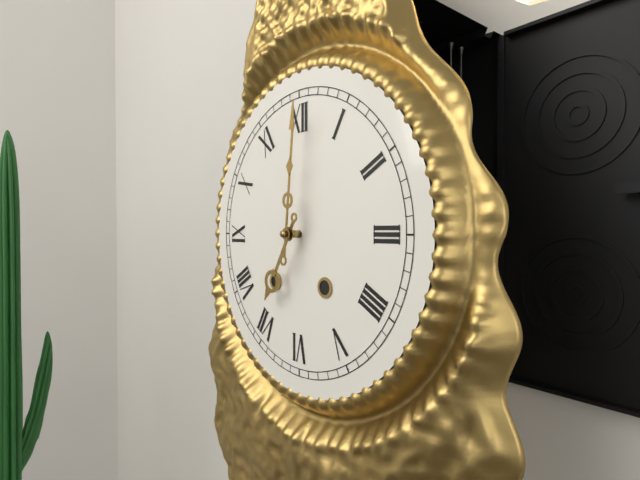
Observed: 7 h 01 min
